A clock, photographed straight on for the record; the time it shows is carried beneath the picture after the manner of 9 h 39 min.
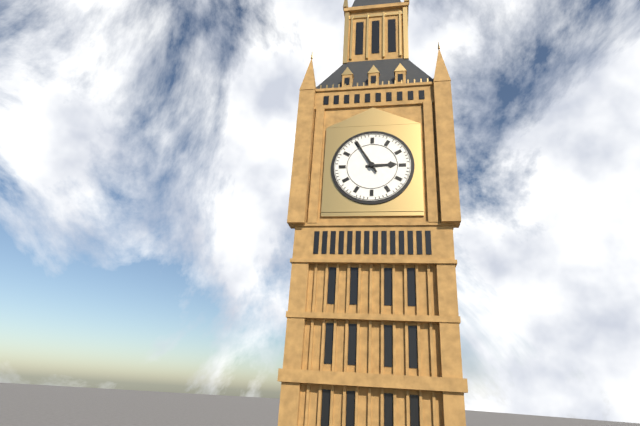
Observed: 2 h 55 min
